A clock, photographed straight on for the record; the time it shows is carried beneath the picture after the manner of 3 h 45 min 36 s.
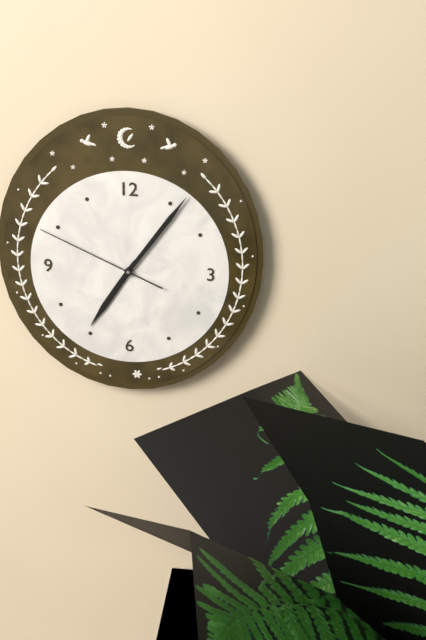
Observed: 7 h 06 min 49 s
